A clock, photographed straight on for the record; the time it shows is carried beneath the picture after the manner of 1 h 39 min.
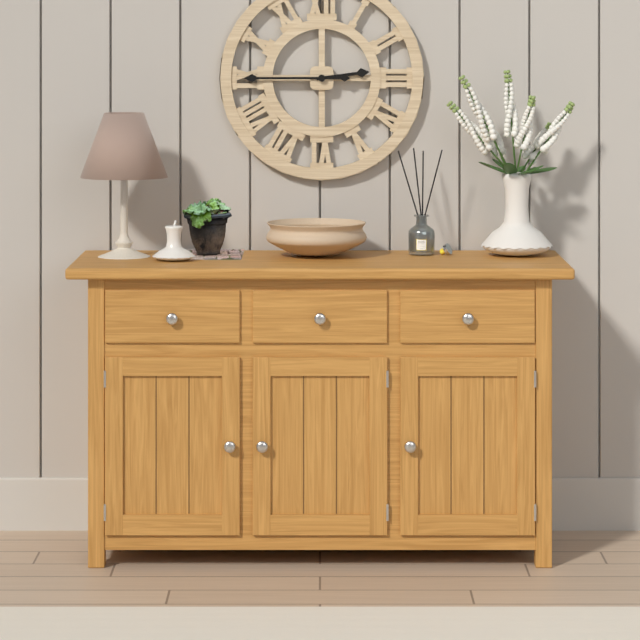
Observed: 2 h 45 min
